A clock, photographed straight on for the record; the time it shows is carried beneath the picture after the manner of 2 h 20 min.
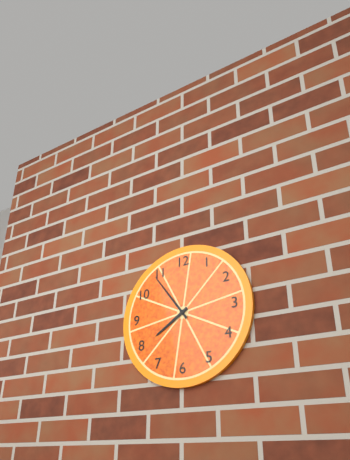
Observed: 7 h 54 min
